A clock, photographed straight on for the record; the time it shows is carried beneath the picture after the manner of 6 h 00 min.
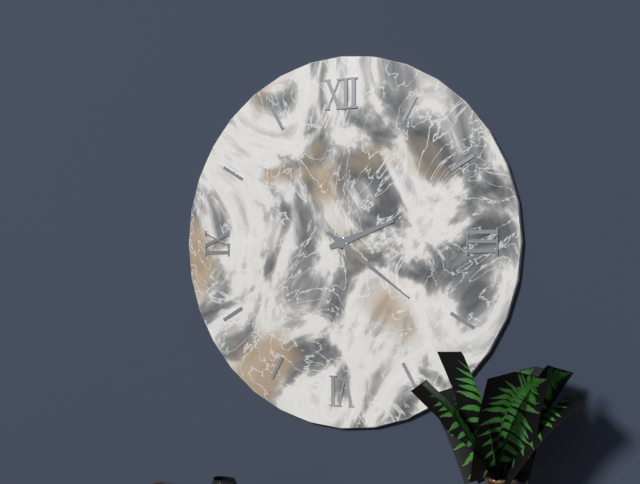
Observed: 2 h 21 min
